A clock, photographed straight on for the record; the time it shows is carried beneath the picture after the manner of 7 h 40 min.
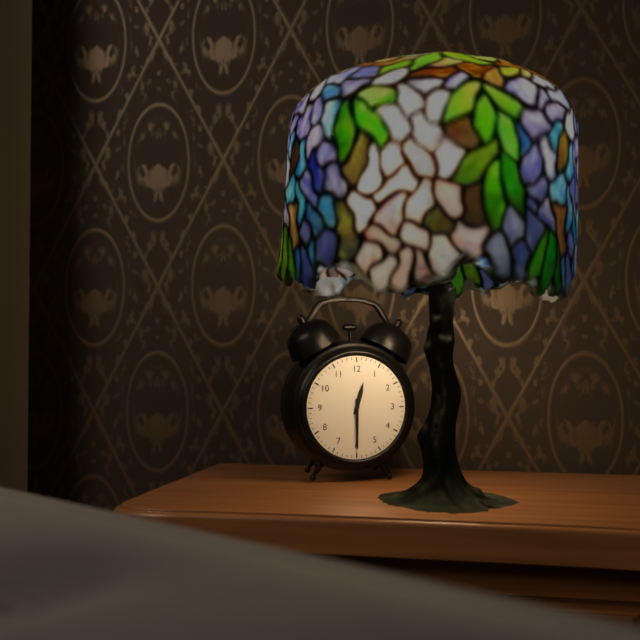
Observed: 12 h 30 min
